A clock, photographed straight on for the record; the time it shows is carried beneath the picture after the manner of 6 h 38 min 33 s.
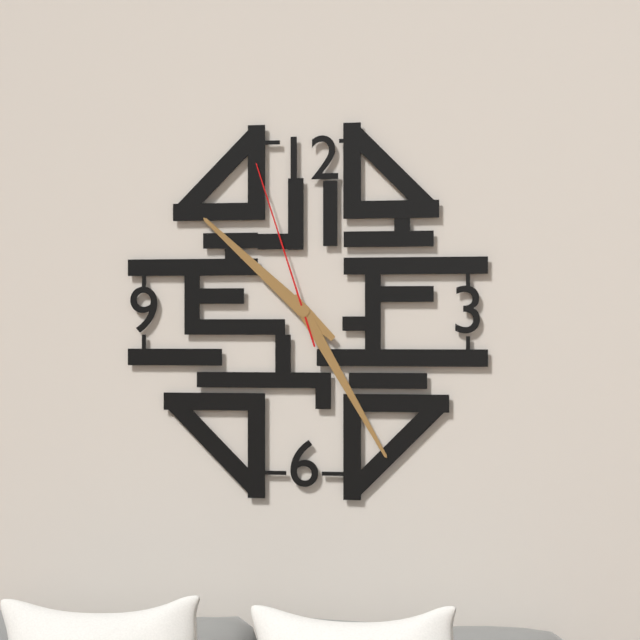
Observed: 10 h 25 min 57 s
